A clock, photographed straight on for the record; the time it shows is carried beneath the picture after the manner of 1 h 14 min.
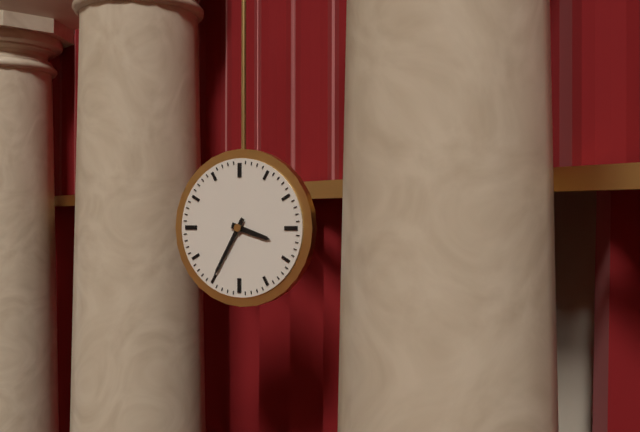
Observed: 3 h 35 min
